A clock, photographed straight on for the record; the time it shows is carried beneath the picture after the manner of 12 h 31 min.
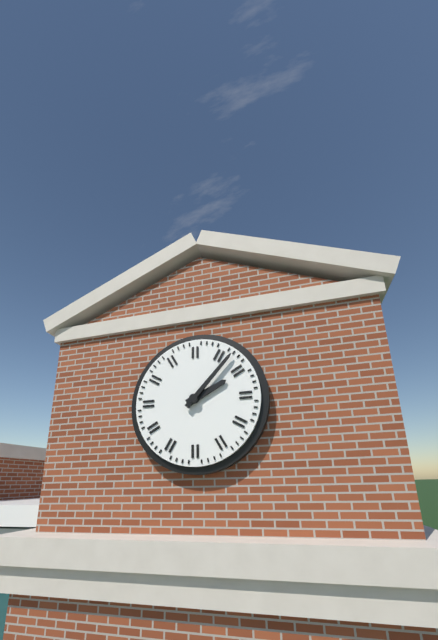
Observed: 2 h 07 min
